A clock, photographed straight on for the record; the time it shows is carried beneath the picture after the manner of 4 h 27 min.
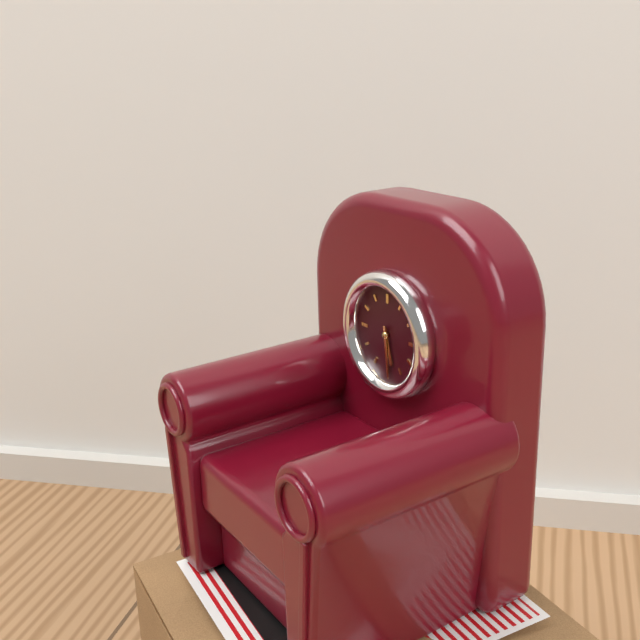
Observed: 5 h 29 min
